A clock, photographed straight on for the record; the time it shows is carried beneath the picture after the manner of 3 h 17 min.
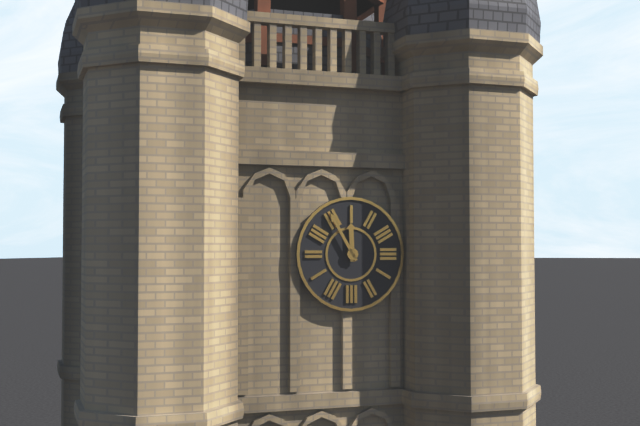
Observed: 11 h 55 min
